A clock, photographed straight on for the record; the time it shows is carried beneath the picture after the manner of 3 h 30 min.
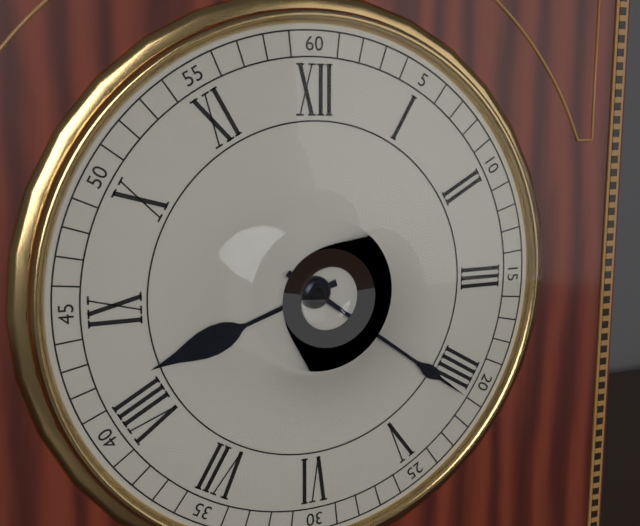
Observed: 8 h 21 min
